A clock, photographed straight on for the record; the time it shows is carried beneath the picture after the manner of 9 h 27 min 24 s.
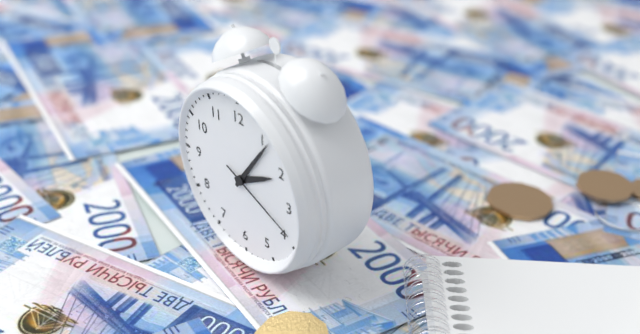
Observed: 2 h 06 min 19 s
